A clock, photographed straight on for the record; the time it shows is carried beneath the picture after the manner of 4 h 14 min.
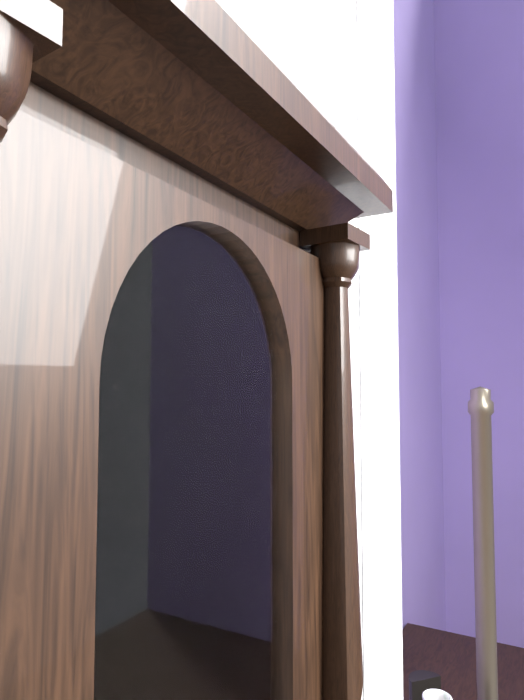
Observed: 7 h 04 min
